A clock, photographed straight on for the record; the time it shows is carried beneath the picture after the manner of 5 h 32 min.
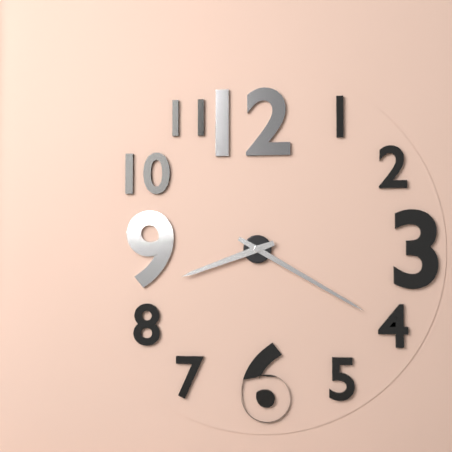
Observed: 8 h 20 min
